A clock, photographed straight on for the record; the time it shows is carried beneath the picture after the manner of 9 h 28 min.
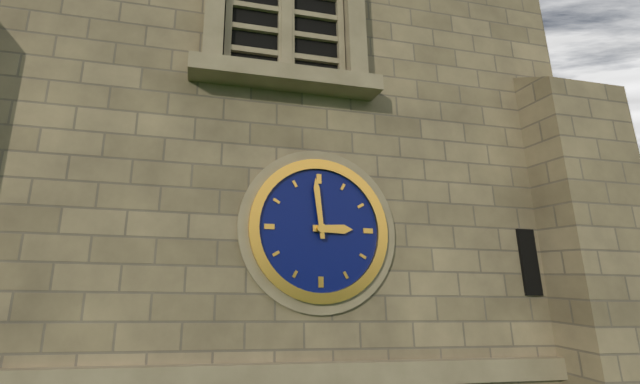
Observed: 2 h 59 min
